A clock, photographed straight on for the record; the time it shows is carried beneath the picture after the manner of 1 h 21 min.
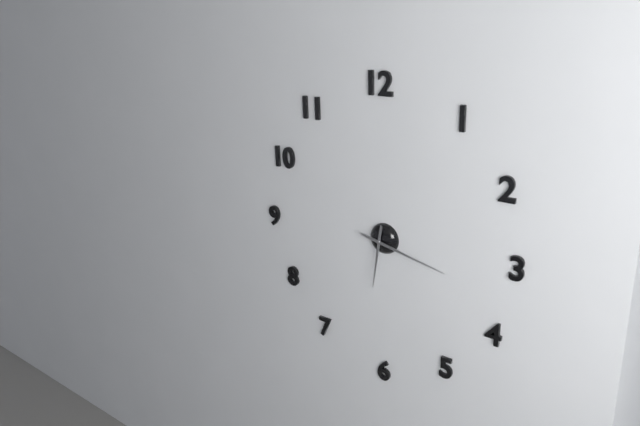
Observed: 6 h 17 min
